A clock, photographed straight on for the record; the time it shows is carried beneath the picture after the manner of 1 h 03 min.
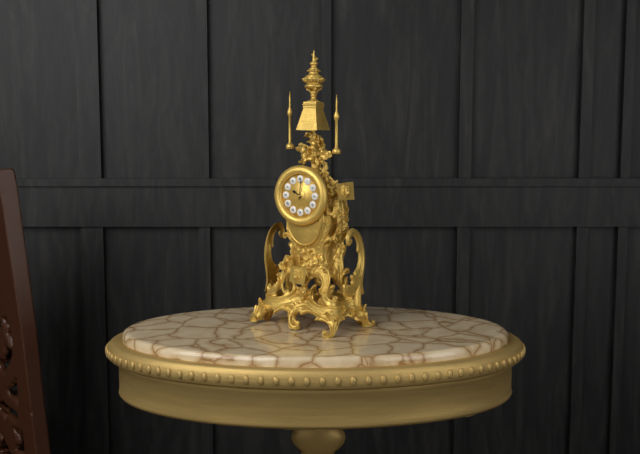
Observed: 10 h 01 min
